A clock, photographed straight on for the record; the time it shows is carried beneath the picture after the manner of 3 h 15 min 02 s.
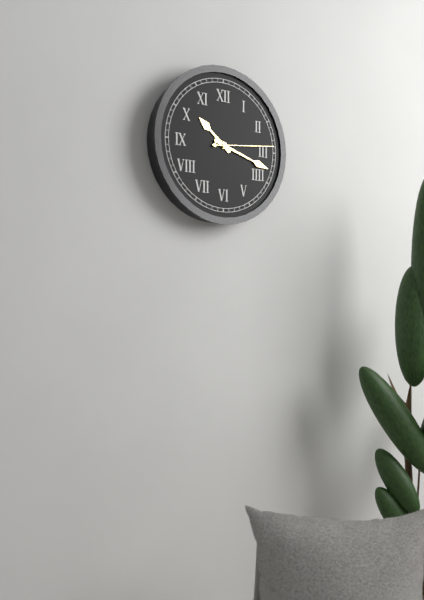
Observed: 10 h 18 min 14 s
